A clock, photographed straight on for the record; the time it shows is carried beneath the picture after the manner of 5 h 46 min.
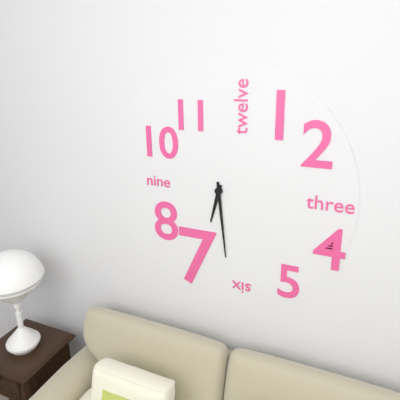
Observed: 6 h 29 min
